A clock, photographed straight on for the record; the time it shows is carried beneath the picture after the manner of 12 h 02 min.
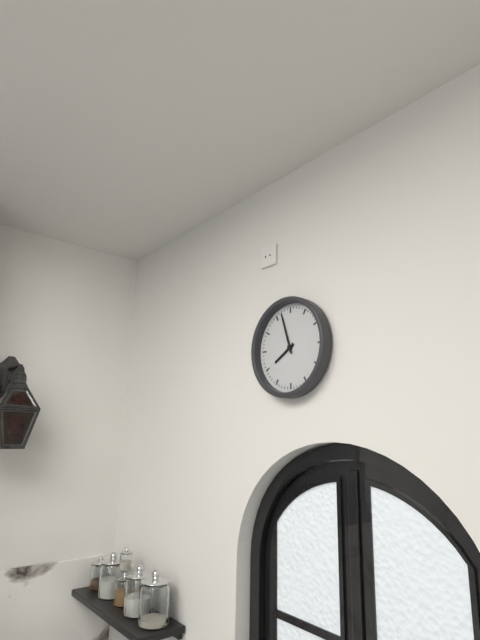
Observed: 7 h 57 min
